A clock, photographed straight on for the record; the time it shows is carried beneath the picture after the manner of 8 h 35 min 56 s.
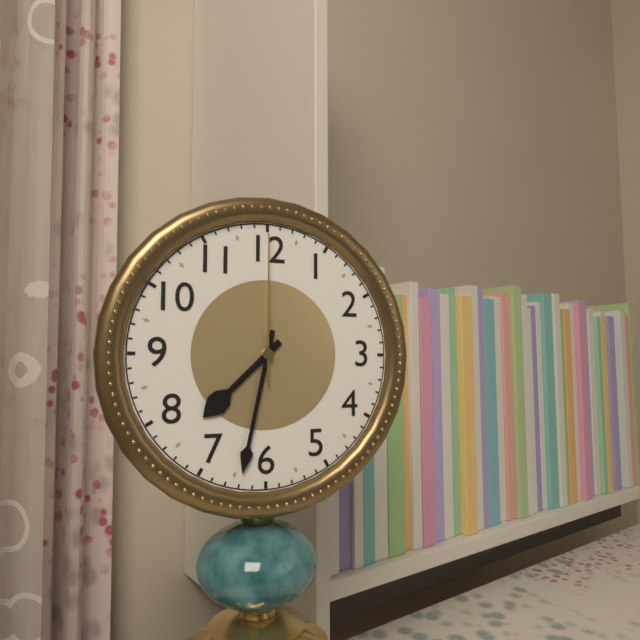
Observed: 7 h 32 min 00 s
